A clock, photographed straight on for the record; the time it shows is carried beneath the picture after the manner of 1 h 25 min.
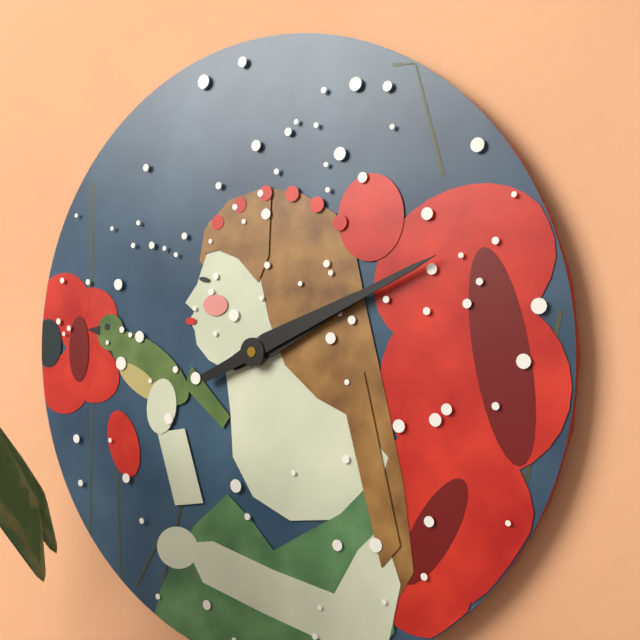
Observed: 2 h 11 min
